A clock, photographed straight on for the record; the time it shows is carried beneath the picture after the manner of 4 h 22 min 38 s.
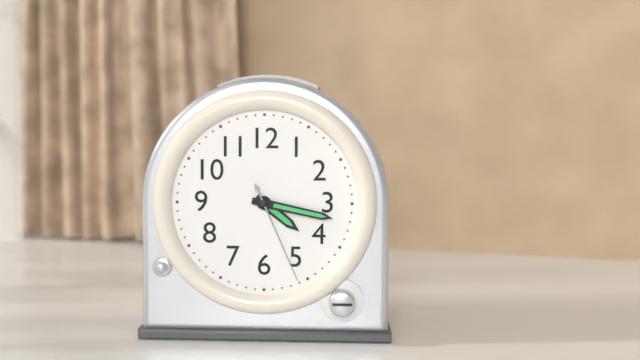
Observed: 4 h 17 min 26 s
